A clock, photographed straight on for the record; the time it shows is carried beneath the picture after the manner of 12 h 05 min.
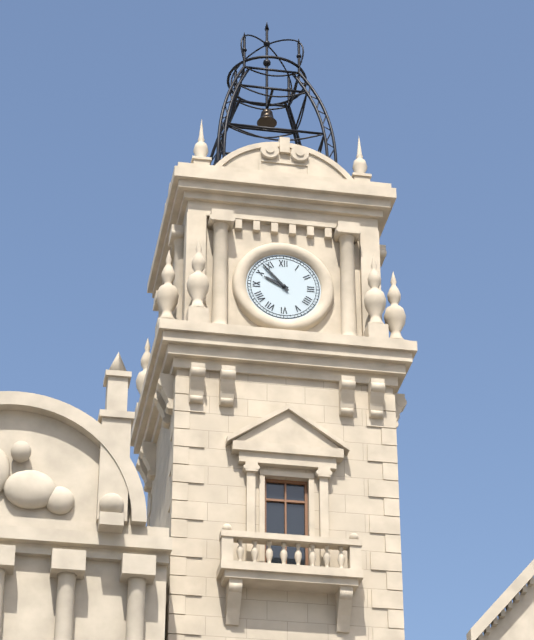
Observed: 9 h 53 min
